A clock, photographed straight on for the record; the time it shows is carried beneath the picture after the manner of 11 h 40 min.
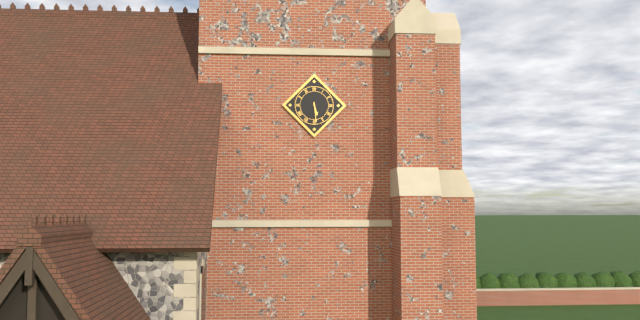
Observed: 5 h 29 min
